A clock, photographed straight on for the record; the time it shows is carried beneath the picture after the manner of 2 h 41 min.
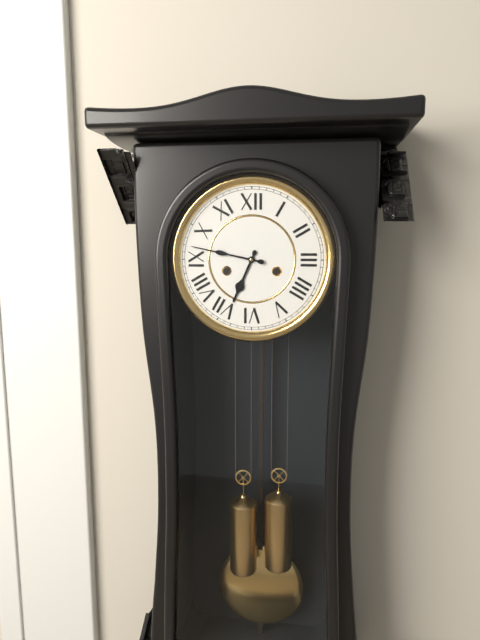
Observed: 6 h 47 min
